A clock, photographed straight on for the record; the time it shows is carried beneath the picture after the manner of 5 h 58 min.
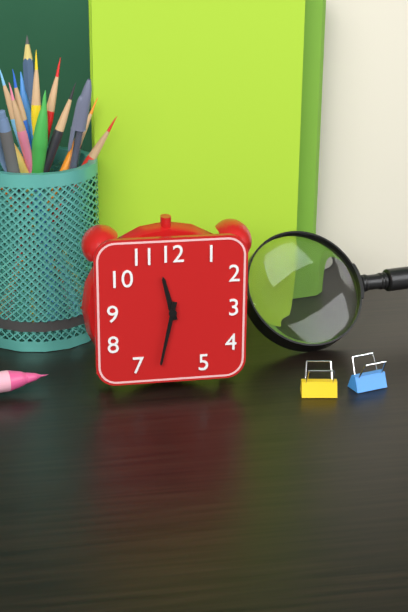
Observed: 11 h 32 min
